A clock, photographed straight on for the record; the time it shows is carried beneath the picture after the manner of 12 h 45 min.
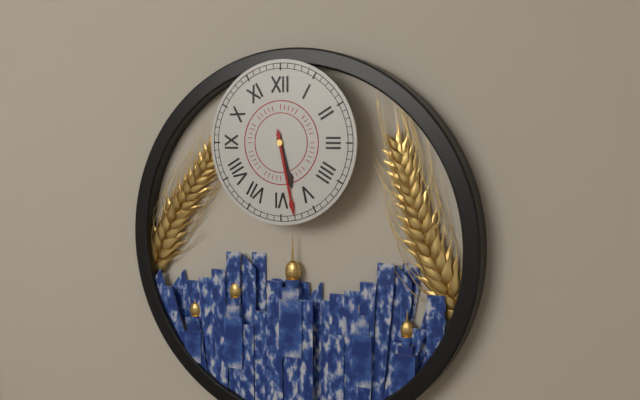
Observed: 5 h 28 min
